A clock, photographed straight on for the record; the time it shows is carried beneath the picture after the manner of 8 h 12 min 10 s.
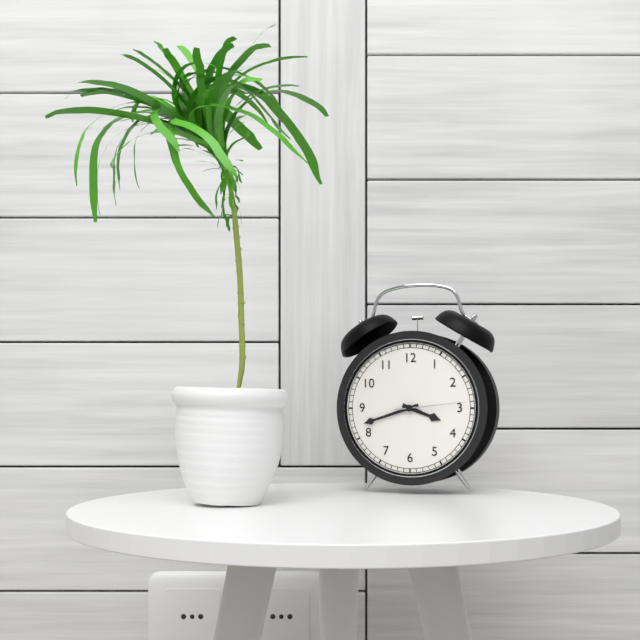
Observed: 3 h 42 min 14 s
